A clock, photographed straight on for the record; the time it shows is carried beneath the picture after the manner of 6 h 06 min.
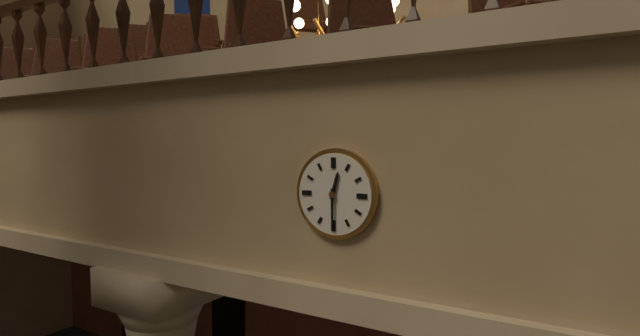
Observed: 12 h 30 min
